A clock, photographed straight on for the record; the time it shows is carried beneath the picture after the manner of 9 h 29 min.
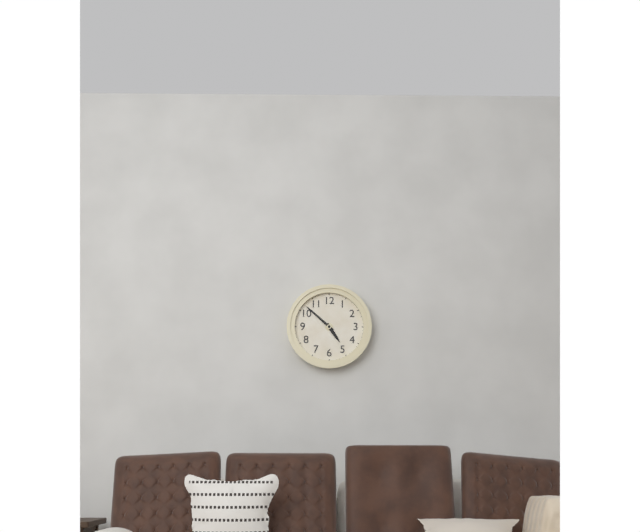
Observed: 4 h 52 min
